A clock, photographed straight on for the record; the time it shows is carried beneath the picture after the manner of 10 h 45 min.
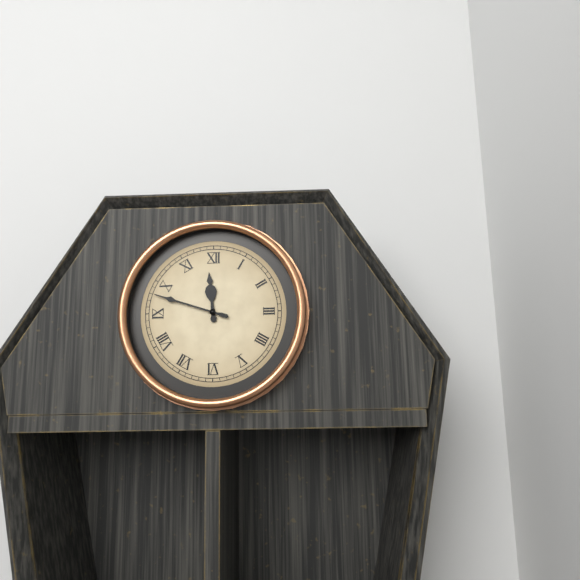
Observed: 11 h 48 min
